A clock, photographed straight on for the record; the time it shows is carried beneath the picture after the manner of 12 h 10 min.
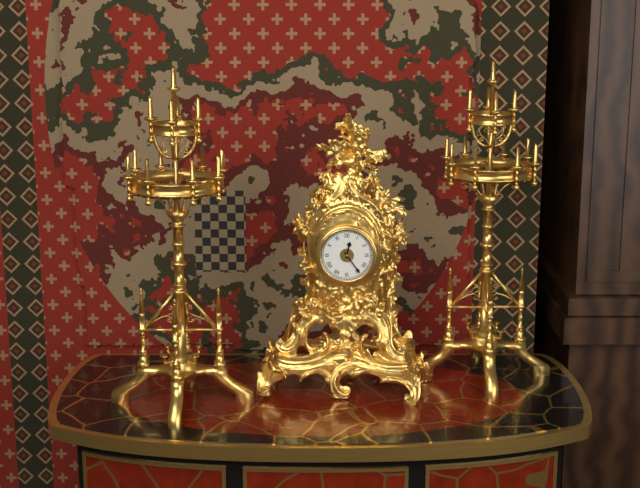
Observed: 12 h 24 min
